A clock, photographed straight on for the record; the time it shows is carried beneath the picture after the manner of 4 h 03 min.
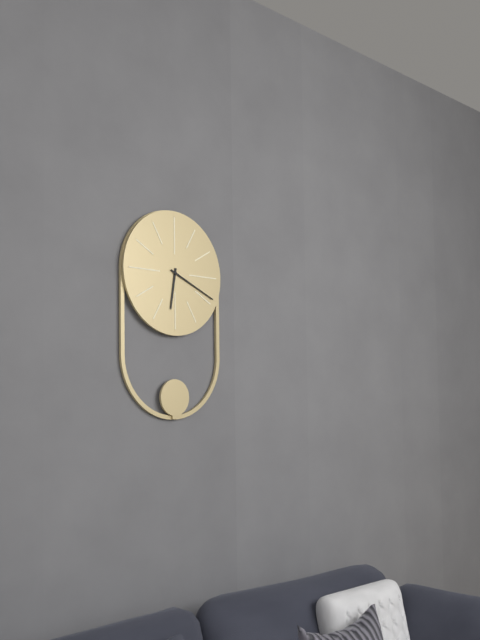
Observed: 6 h 19 min
